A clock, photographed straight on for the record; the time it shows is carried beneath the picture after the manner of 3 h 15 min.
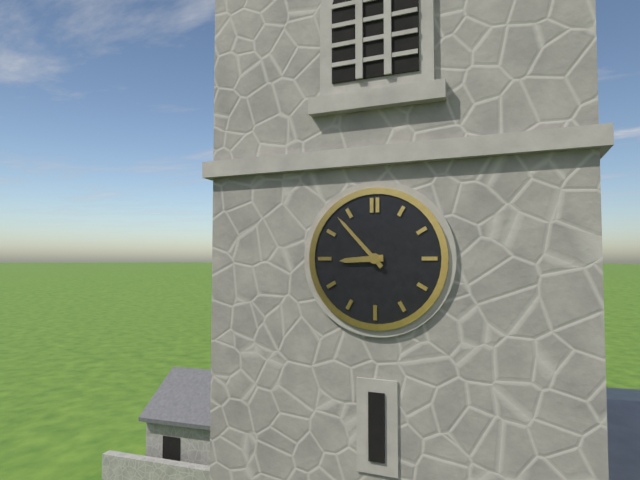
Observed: 8 h 53 min
